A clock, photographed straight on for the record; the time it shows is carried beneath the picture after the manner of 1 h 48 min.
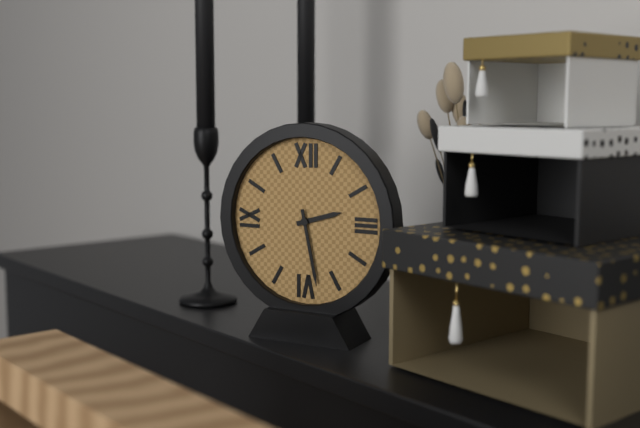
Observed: 2 h 28 min
